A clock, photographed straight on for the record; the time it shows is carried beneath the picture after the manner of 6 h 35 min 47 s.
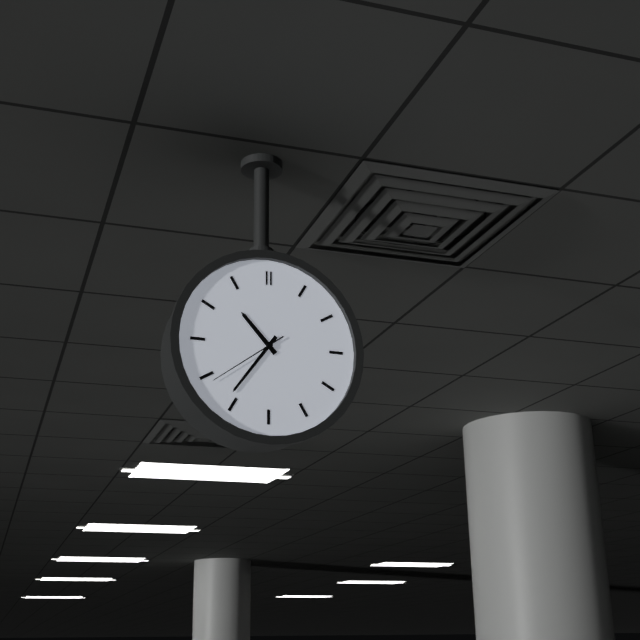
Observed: 10 h 36 min 39 s
